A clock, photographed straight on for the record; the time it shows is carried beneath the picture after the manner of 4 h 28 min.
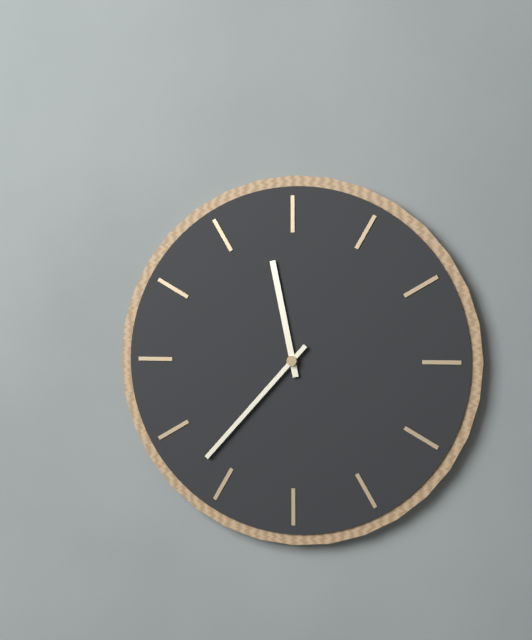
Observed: 11 h 37 min
